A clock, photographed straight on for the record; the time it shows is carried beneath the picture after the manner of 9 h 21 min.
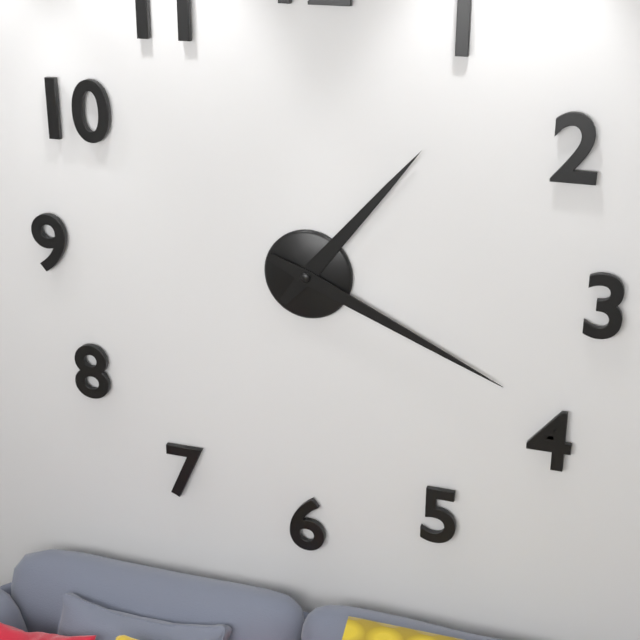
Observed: 1 h 19 min
